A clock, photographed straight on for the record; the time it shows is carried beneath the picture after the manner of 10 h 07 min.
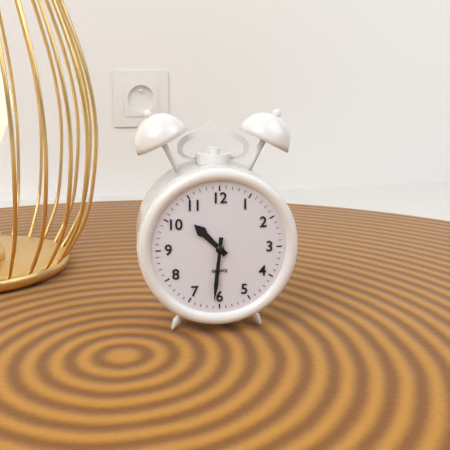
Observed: 10 h 31 min
